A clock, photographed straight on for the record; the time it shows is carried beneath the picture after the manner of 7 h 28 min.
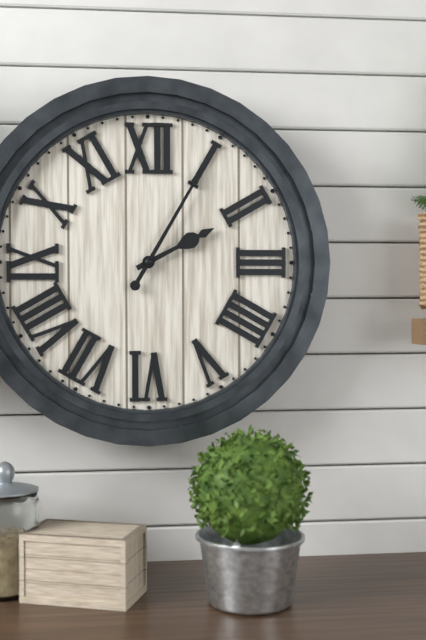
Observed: 2 h 05 min
